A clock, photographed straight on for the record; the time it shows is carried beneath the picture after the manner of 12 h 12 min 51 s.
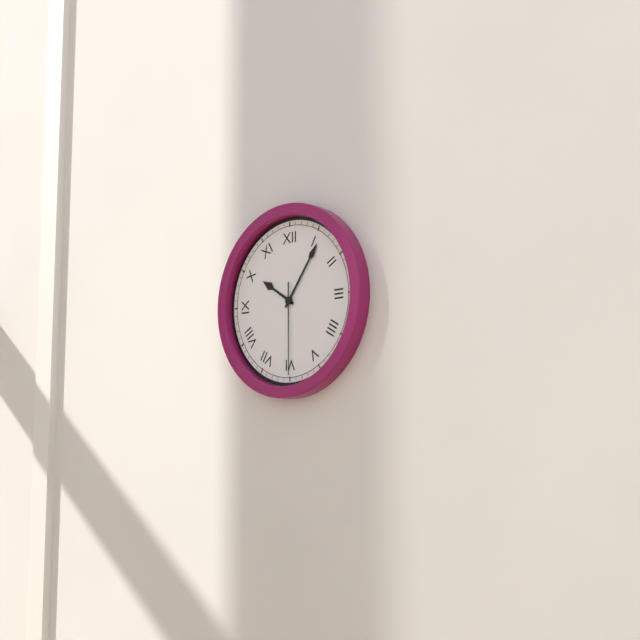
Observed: 10 h 06 min 30 s
